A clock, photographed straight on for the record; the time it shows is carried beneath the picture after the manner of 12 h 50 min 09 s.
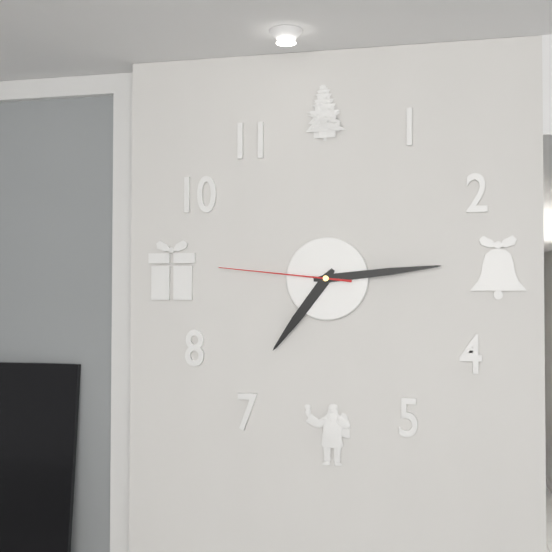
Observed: 7 h 14 min 46 s
